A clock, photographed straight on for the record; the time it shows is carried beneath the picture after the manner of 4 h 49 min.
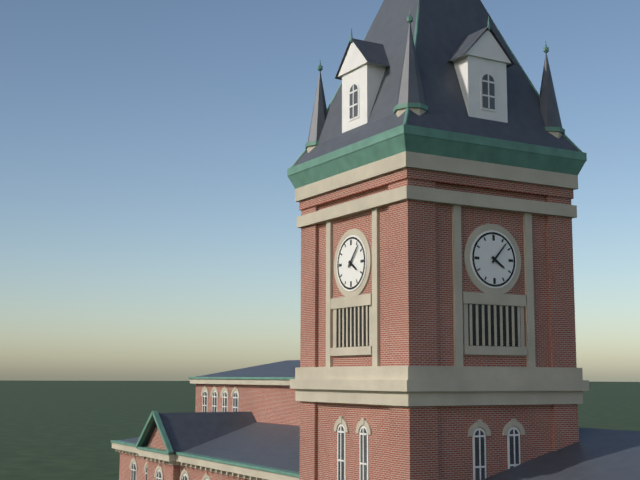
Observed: 4 h 07 min
